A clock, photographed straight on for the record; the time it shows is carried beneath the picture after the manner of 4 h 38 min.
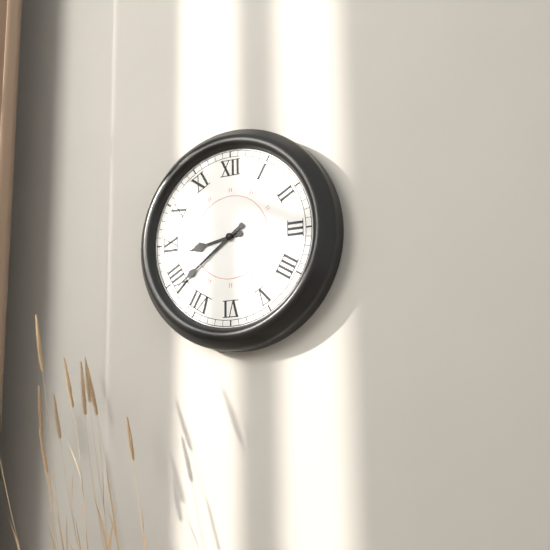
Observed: 8 h 39 min
